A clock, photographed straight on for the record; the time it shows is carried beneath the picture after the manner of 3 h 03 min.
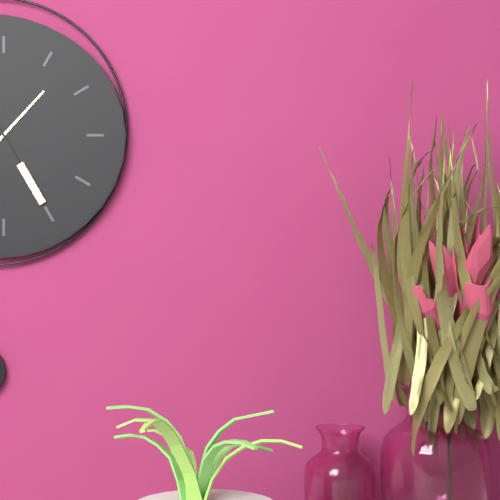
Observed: 1 h 25 min
